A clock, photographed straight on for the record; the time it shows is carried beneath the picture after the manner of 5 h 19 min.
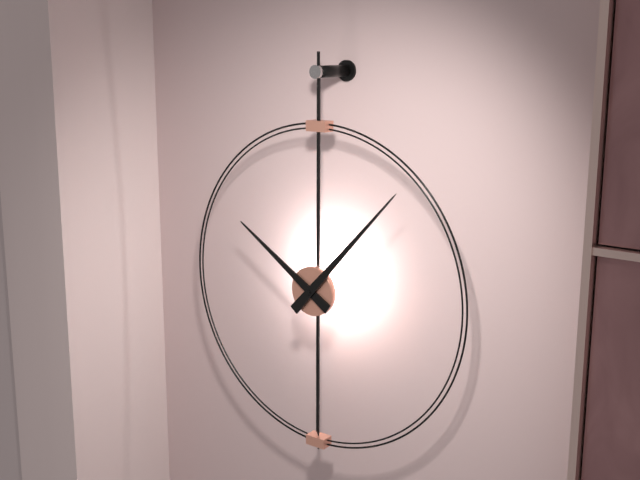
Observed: 10 h 07 min
